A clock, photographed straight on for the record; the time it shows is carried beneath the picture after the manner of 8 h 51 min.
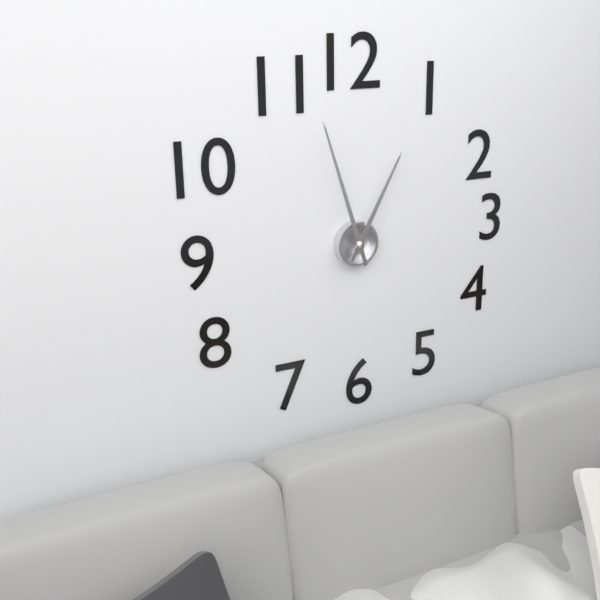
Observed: 12 h 57 min
